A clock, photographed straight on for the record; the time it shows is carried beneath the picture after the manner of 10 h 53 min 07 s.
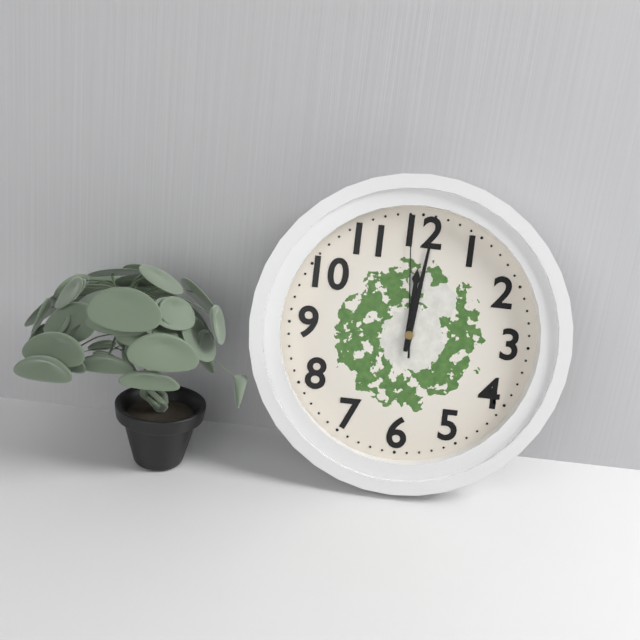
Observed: 12 h 01 min 59 s
